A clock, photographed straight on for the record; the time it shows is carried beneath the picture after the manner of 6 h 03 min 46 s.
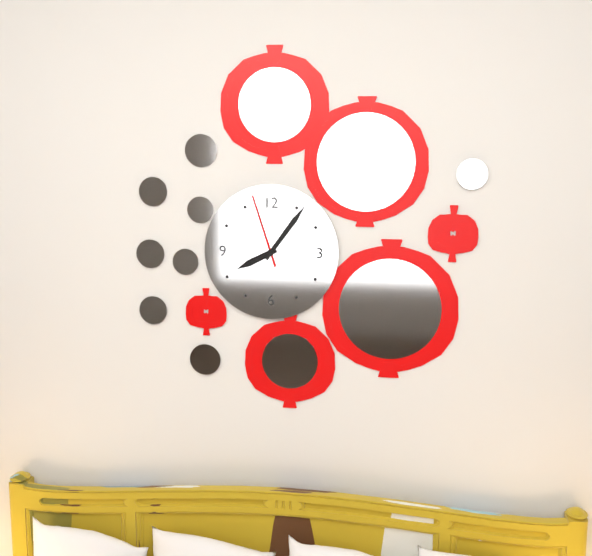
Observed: 8 h 06 min 57 s
